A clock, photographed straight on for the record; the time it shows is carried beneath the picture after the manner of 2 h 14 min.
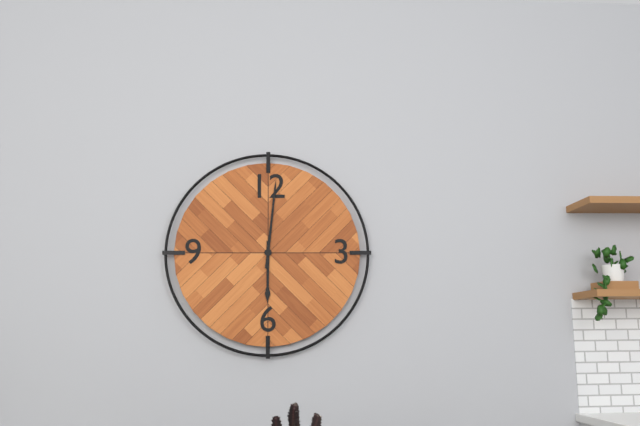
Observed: 6 h 01 min
